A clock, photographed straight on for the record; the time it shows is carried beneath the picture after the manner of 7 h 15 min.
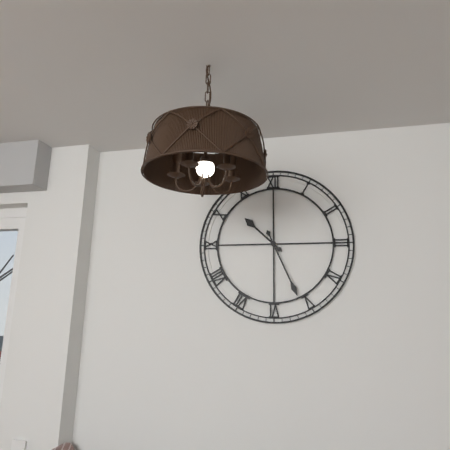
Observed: 10 h 26 min
